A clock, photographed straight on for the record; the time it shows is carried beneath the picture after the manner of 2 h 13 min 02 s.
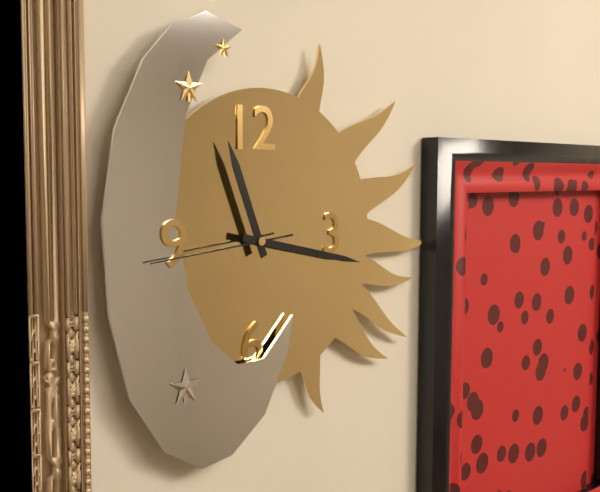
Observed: 11 h 17 min 44 s
